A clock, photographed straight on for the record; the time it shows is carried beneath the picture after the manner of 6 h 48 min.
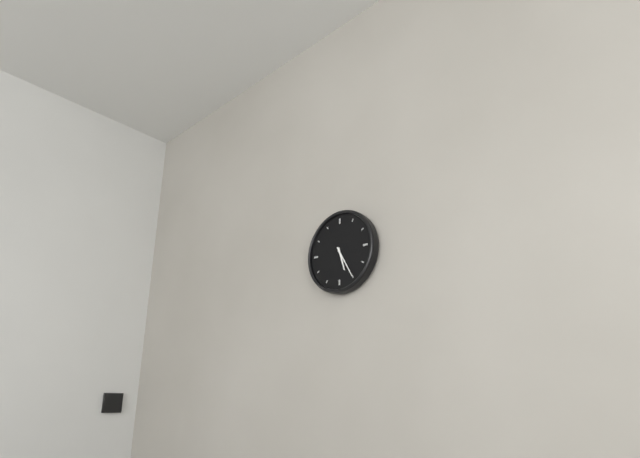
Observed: 5 h 25 min
